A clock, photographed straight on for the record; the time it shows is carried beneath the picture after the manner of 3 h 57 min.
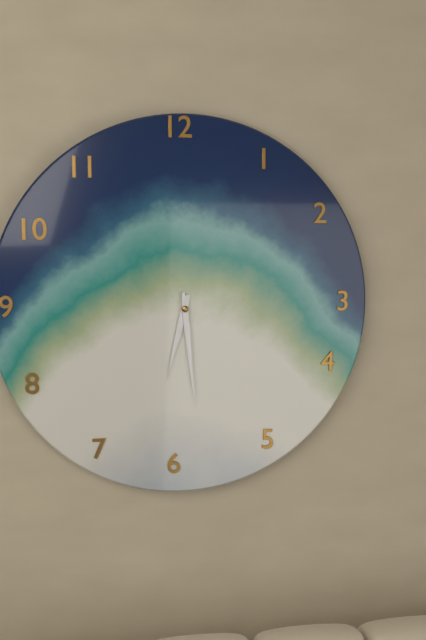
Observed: 6 h 29 min
